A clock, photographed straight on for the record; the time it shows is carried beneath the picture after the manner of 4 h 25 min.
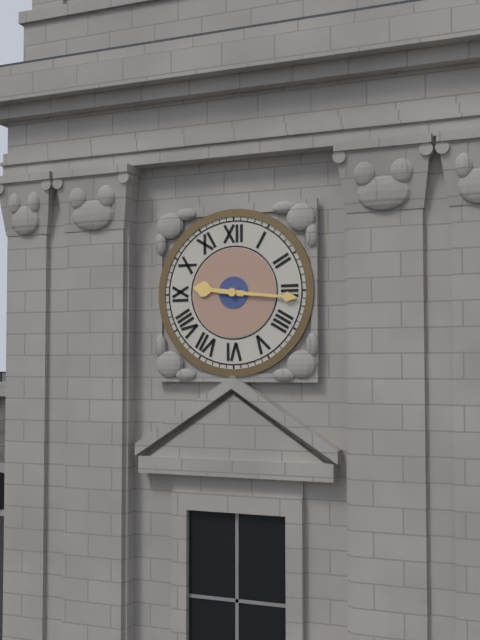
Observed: 9 h 16 min
